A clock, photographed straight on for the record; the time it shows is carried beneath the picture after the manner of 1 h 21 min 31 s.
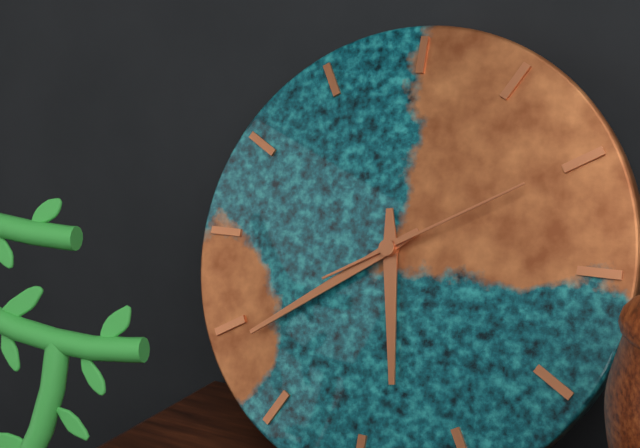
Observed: 5 h 39 min 10 s
